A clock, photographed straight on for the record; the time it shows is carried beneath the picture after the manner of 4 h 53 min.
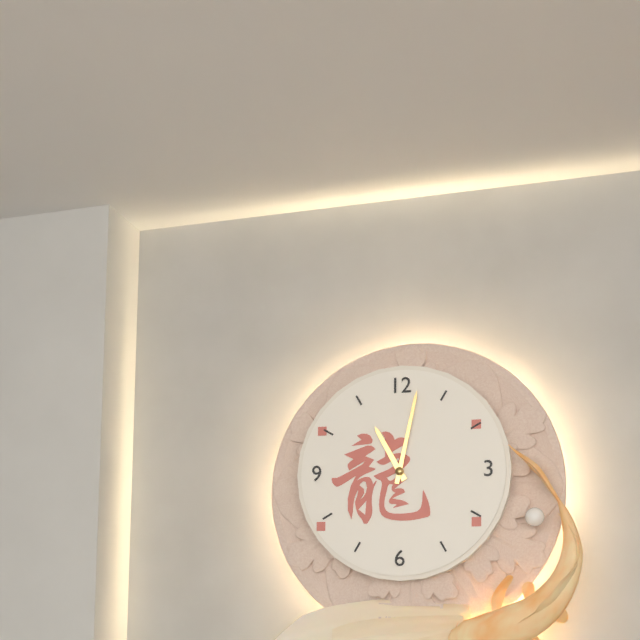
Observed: 11 h 02 min
